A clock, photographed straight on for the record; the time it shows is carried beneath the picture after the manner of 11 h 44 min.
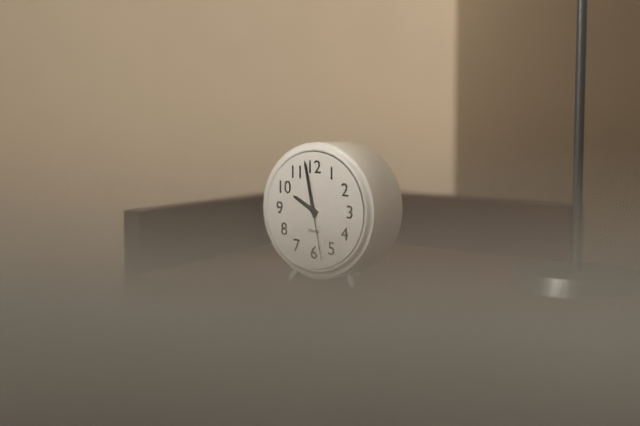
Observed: 9 h 58 min
